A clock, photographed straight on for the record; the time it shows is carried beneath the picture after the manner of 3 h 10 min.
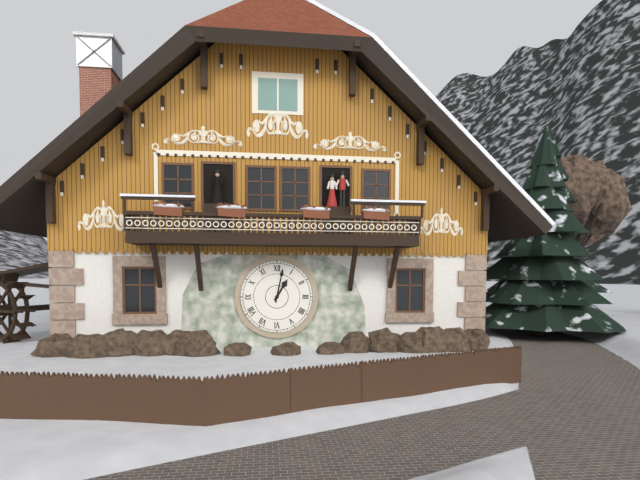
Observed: 1 h 02 min
